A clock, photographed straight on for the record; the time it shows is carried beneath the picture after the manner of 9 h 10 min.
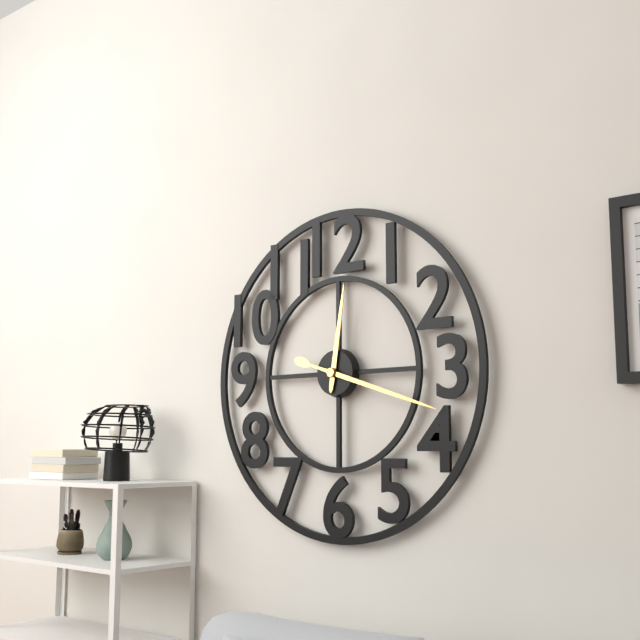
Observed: 12 h 18 min
